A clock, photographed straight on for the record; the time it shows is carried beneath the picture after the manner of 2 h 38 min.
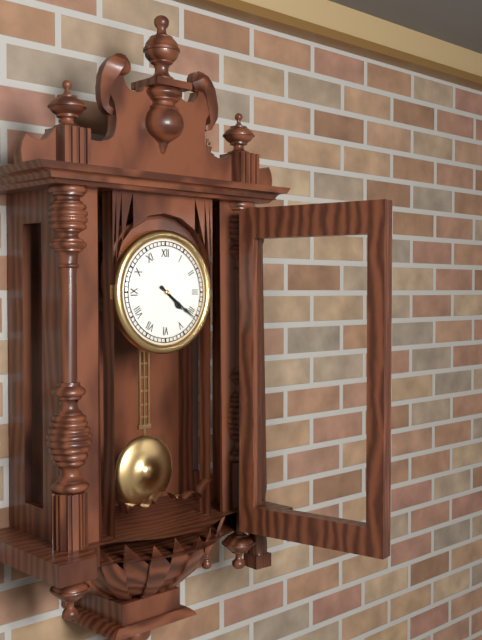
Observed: 4 h 21 min
